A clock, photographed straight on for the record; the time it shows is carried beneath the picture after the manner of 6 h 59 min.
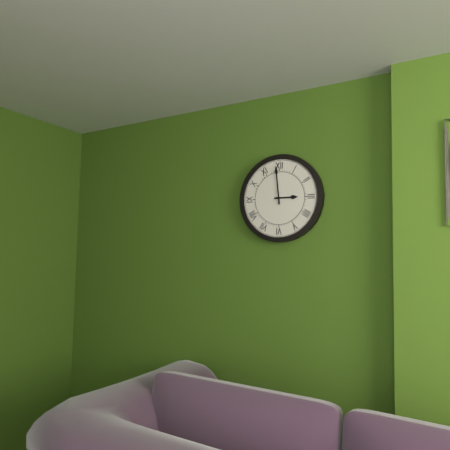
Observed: 2 h 59 min
